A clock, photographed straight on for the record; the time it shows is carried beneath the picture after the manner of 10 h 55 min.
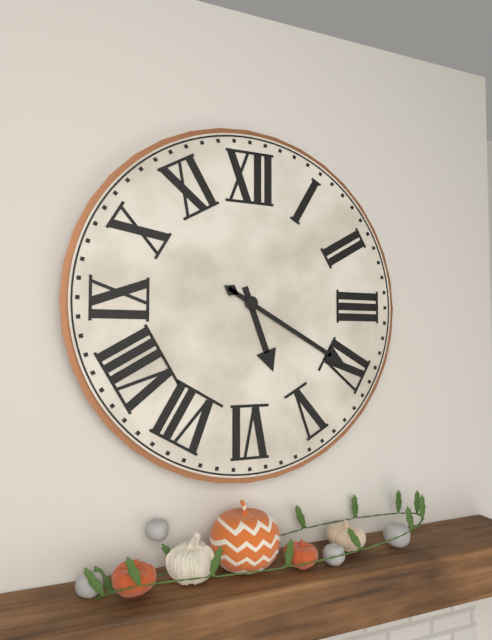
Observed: 5 h 20 min
